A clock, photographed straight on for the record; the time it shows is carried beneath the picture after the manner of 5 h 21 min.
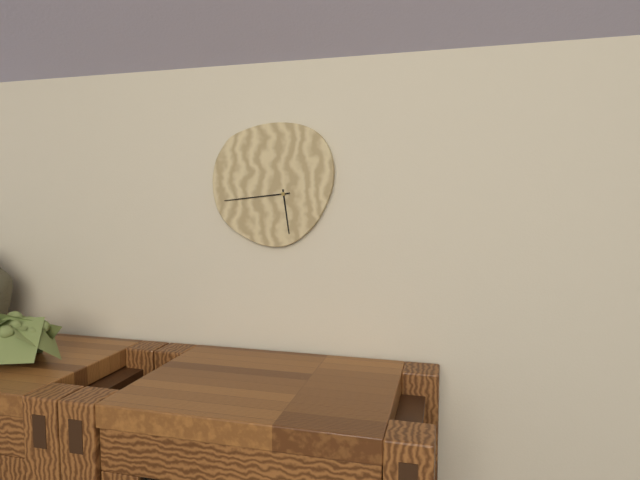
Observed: 5 h 44 min
